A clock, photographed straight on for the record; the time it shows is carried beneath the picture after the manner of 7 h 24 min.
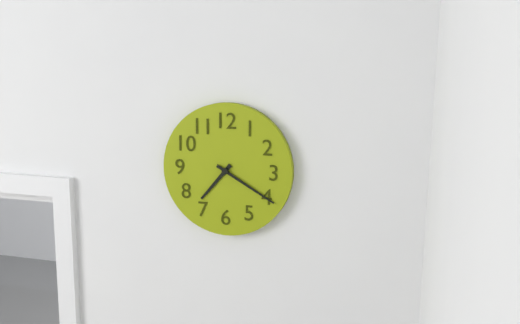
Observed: 7 h 20 min
